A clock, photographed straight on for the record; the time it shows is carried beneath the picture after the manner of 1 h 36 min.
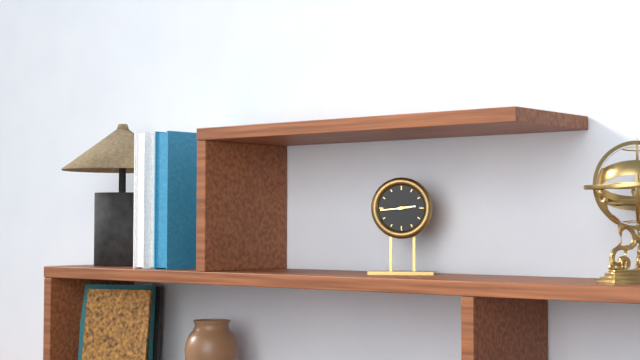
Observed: 2 h 44 min
